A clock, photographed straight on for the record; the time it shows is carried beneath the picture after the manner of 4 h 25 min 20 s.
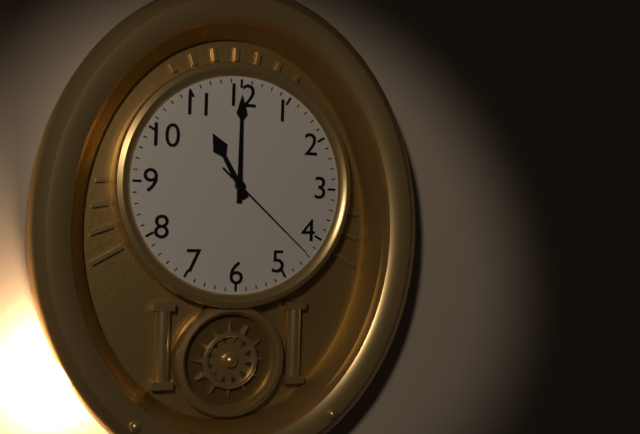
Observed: 11 h 00 min 22 s
